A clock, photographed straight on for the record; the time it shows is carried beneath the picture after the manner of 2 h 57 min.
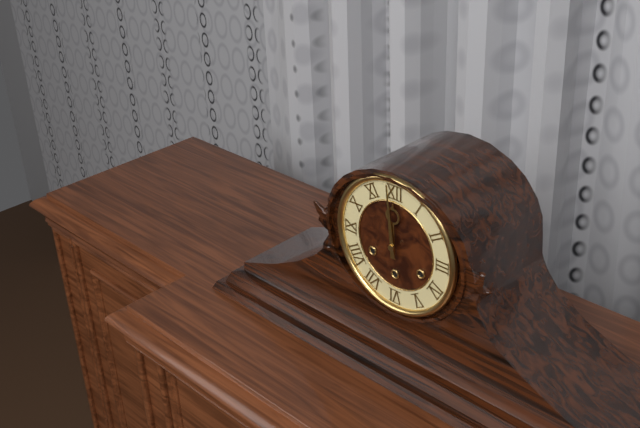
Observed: 11 h 59 min
